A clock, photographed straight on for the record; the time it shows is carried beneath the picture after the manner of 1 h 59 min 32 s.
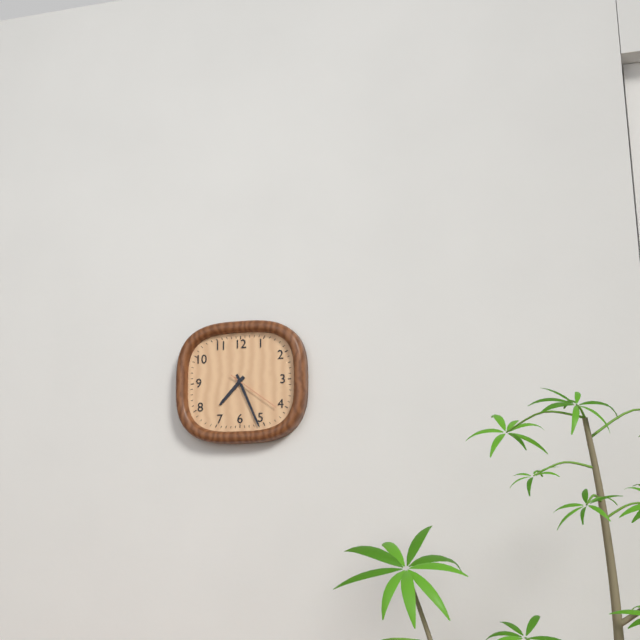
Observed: 7 h 26 min 21 s
